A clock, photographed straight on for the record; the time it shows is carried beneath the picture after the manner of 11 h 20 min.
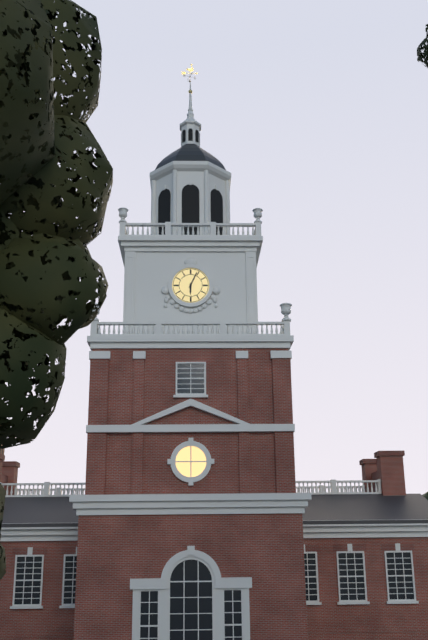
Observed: 6 h 04 min
